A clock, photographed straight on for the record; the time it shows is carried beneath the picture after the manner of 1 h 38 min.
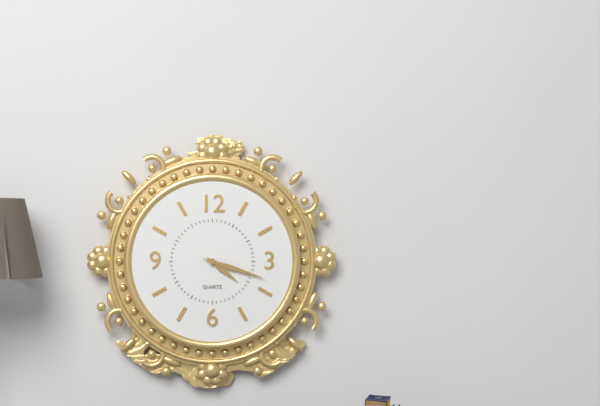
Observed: 4 h 18 min
